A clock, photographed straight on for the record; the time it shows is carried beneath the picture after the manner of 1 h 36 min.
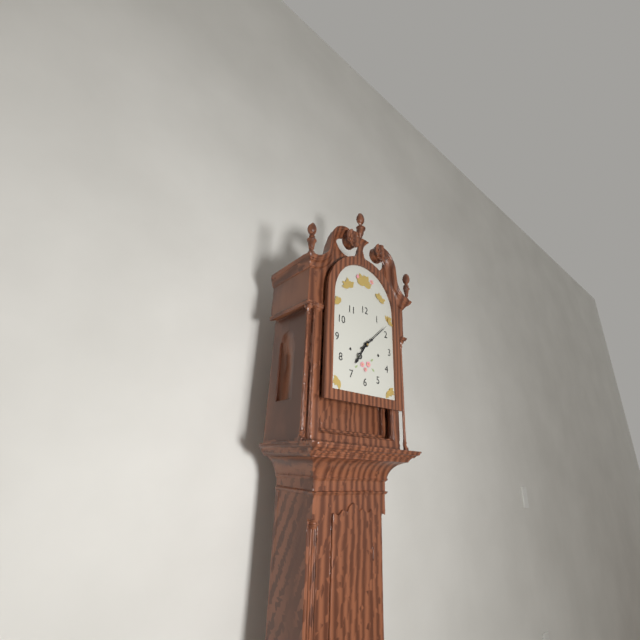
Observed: 7 h 08 min
